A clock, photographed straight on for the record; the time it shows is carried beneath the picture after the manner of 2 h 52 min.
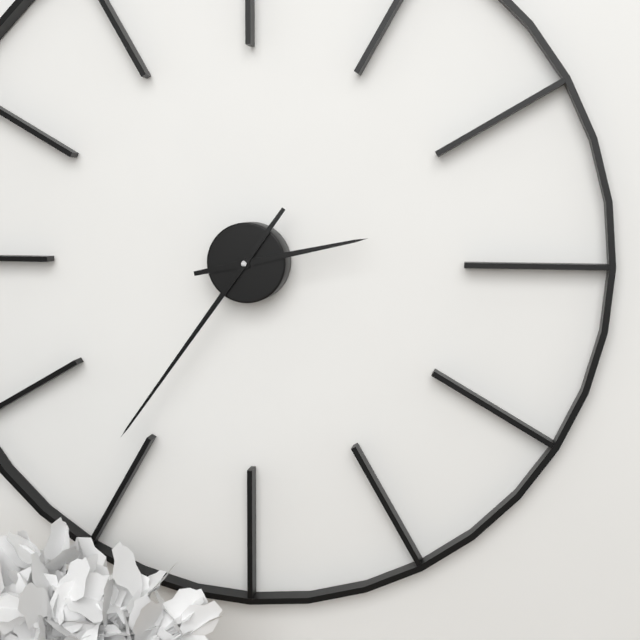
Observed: 2 h 36 min
